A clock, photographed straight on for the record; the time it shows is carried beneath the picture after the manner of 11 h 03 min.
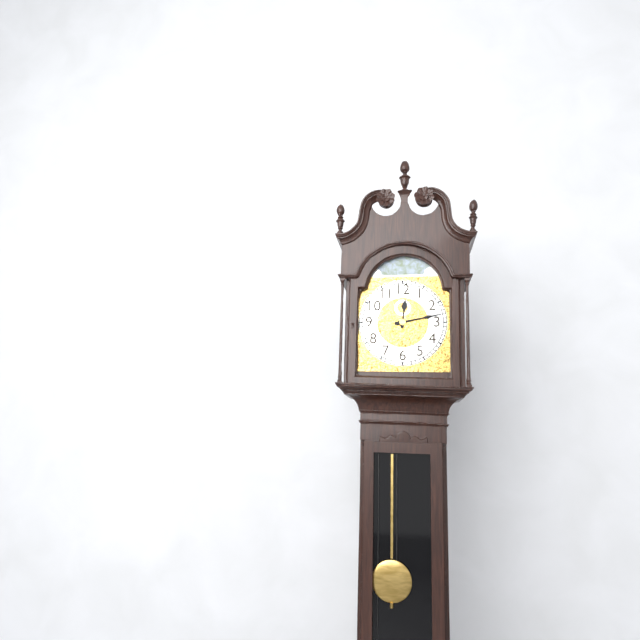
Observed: 12 h 13 min
